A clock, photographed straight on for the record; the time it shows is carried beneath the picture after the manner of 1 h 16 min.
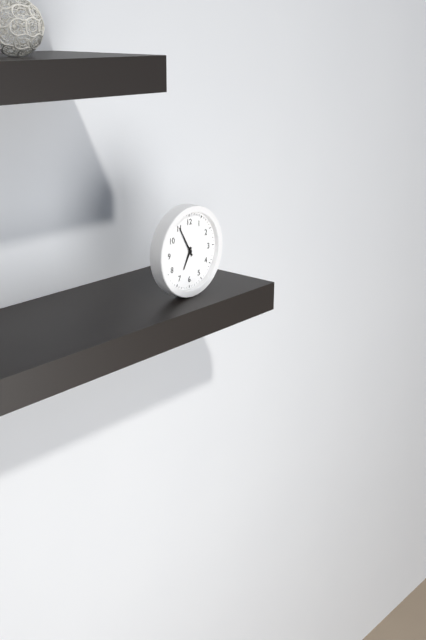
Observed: 6 h 55 min
